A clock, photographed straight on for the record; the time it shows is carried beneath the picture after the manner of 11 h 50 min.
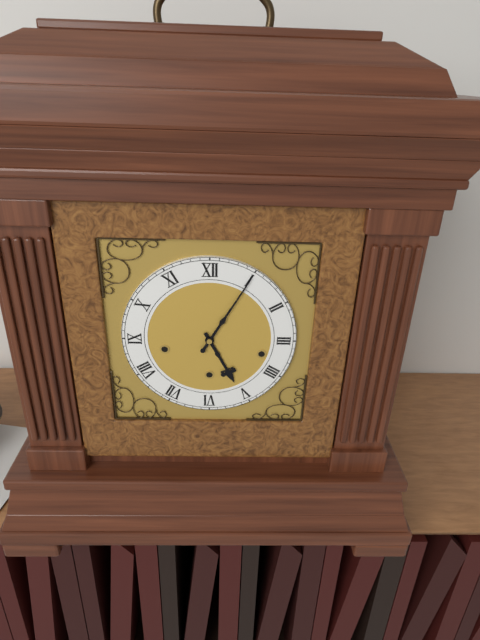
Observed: 5 h 05 min
